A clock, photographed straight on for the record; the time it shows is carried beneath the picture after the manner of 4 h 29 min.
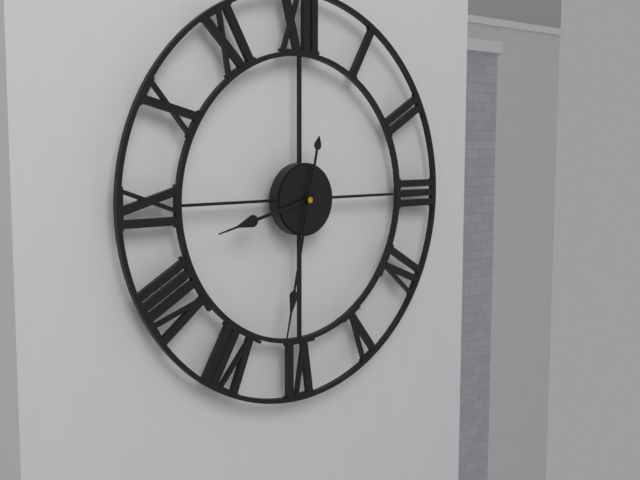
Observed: 8 h 32 min
